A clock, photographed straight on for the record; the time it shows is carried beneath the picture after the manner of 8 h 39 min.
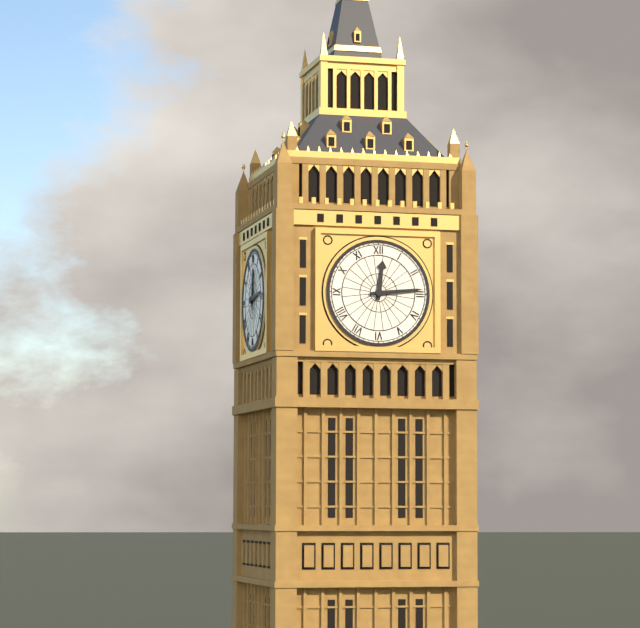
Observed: 12 h 14 min
